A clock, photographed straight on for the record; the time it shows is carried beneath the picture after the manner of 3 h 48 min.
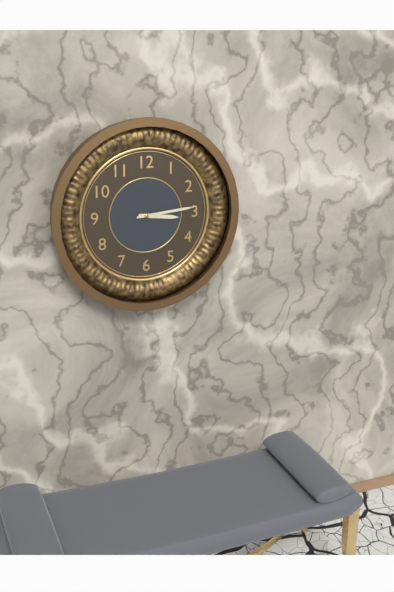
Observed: 3 h 14 min
